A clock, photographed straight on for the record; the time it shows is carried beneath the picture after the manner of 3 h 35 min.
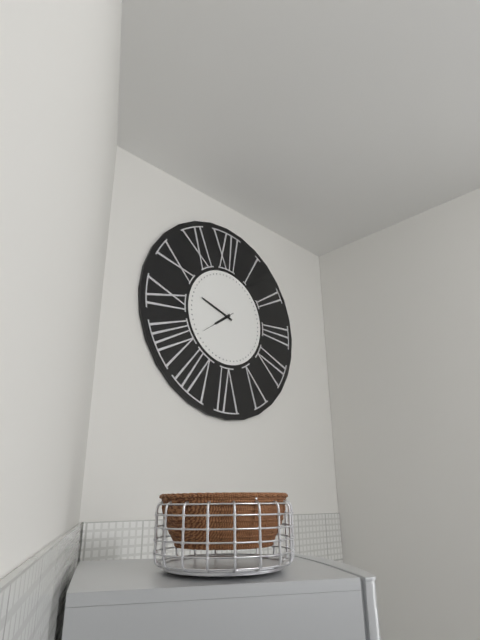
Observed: 7 h 48 min
